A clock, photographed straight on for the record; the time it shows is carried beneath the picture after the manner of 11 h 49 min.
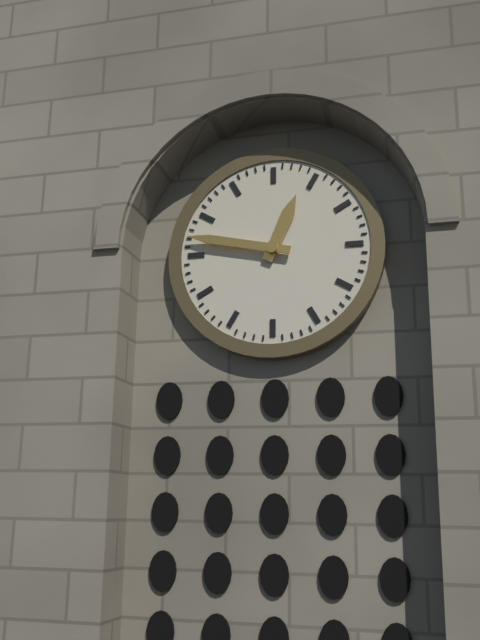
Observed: 12 h 47 min
